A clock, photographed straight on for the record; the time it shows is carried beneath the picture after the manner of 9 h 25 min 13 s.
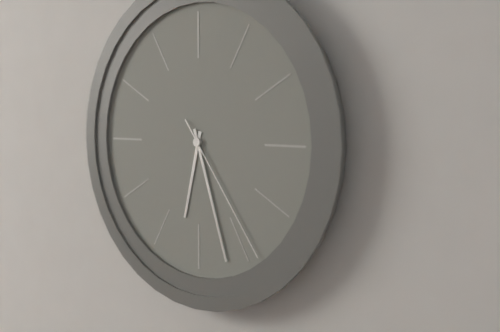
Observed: 6 h 27 min 24 s
